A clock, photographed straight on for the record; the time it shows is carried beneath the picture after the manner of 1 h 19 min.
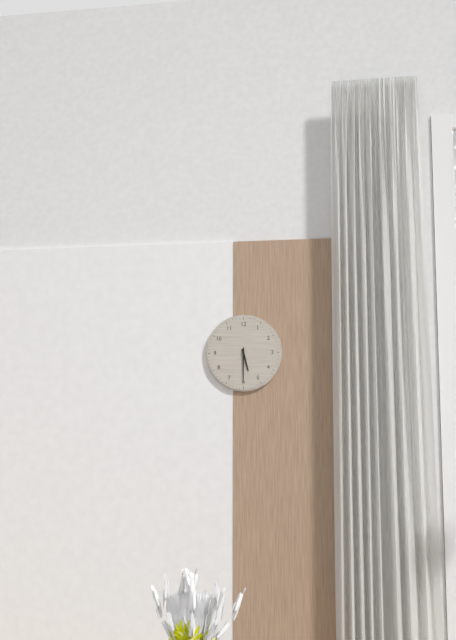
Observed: 5 h 30 min
